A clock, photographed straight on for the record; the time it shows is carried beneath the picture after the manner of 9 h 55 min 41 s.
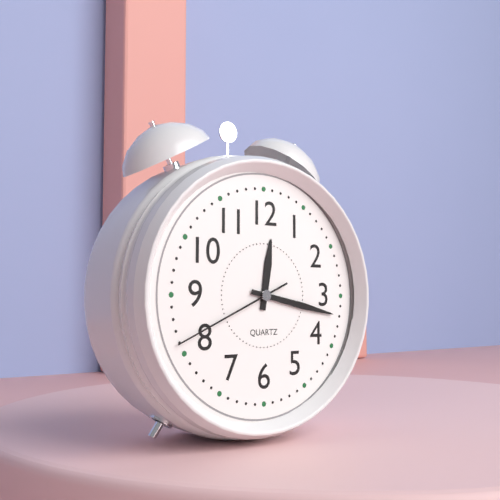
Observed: 12 h 17 min 41 s
